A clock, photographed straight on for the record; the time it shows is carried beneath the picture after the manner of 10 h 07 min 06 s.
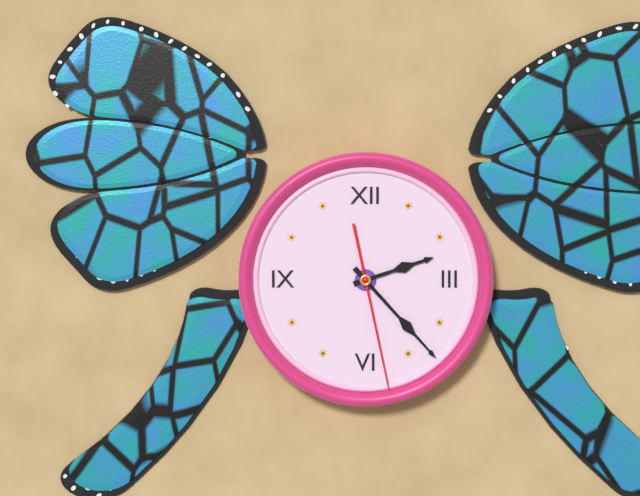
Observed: 2 h 23 min 28 s
